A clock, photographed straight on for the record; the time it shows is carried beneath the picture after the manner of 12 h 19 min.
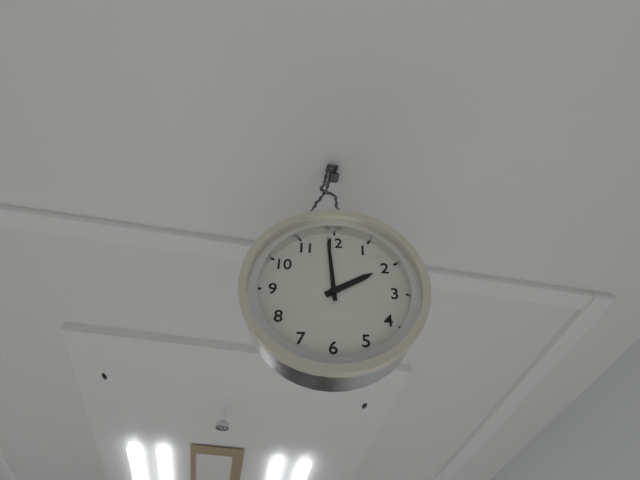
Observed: 1 h 59 min
